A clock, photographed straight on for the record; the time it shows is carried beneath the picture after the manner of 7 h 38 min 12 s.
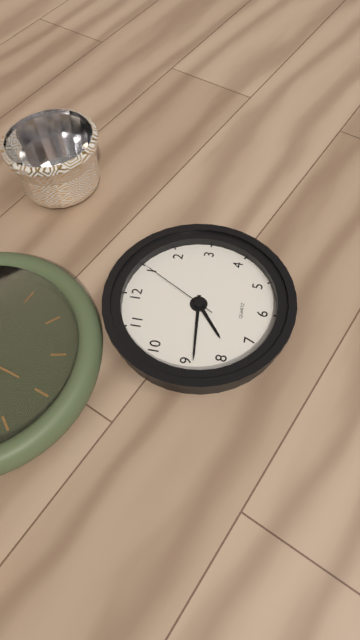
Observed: 7 h 44 min 05 s
